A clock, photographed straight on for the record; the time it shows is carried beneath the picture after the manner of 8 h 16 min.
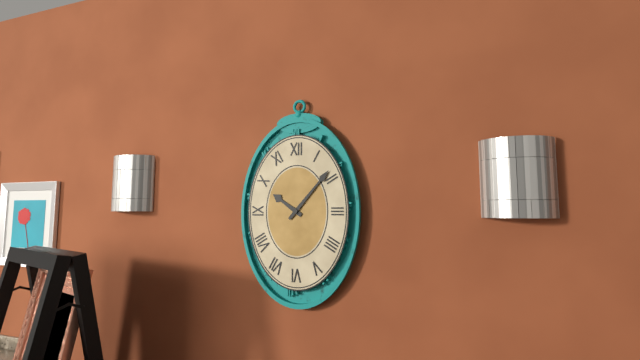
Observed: 10 h 07 min
